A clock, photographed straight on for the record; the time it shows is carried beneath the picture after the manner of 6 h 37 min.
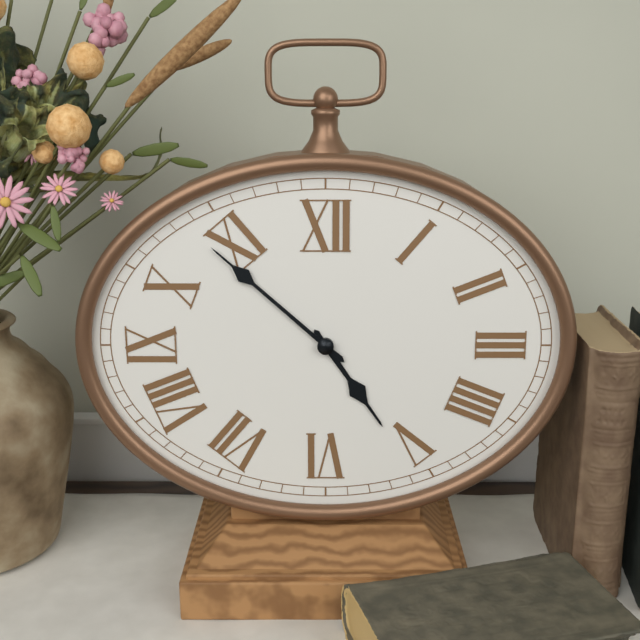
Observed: 4 h 52 min
